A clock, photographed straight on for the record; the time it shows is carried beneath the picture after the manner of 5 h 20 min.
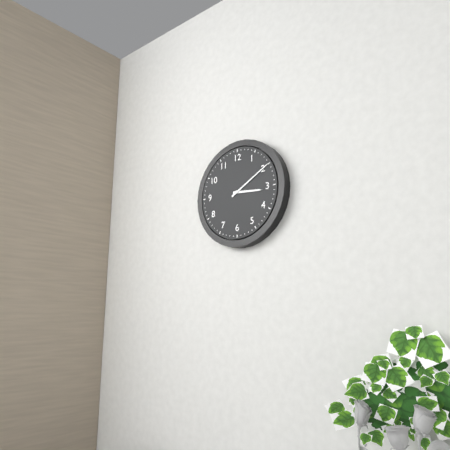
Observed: 3 h 10 min
